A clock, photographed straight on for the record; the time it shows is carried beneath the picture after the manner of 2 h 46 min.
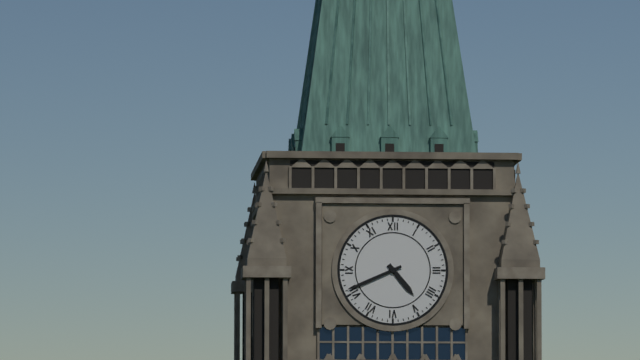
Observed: 4 h 41 min
